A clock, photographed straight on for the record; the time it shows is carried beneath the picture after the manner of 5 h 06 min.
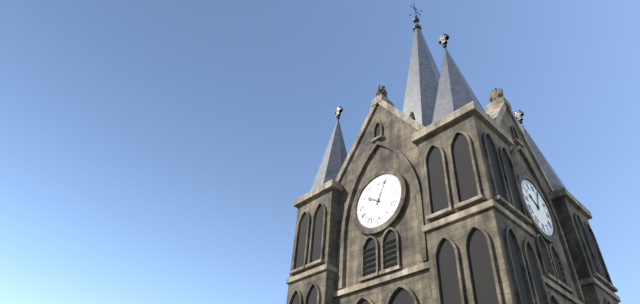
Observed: 10 h 04 min
